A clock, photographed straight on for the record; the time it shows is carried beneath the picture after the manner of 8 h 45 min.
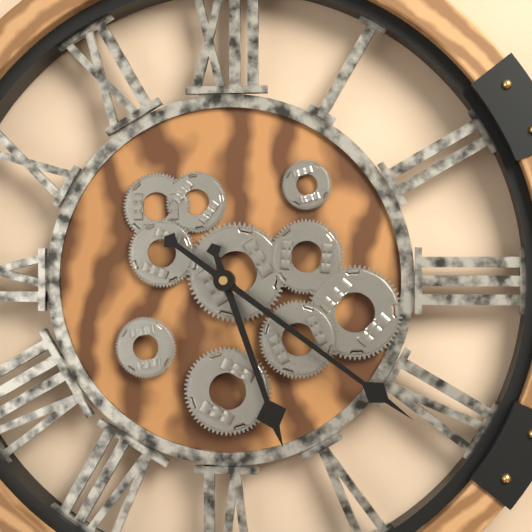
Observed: 5 h 21 min
